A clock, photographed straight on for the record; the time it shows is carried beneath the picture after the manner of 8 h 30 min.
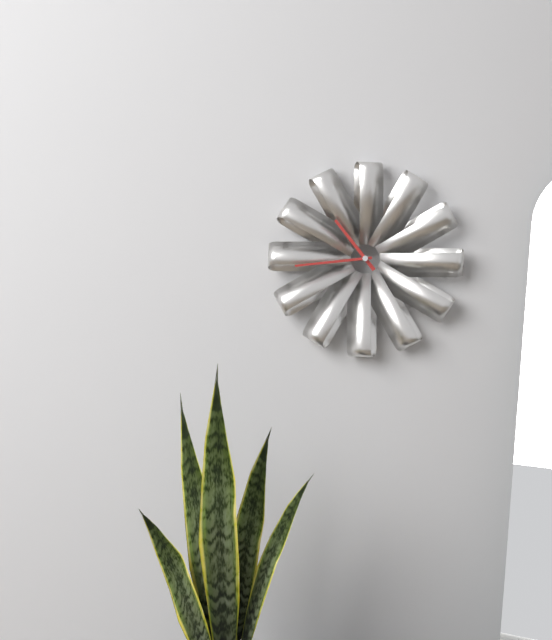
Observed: 10 h 44 min
